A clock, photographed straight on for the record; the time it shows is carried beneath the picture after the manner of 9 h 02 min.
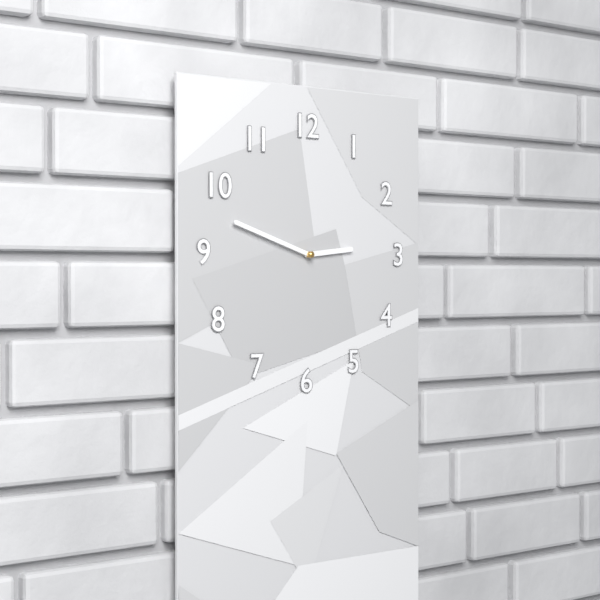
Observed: 2 h 48 min
